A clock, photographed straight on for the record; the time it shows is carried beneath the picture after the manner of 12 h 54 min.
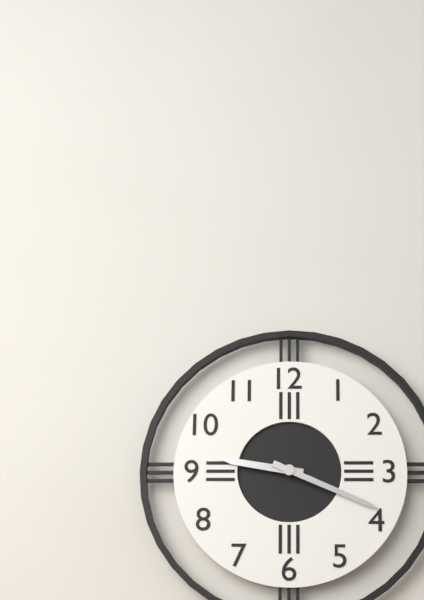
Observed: 9 h 19 min
